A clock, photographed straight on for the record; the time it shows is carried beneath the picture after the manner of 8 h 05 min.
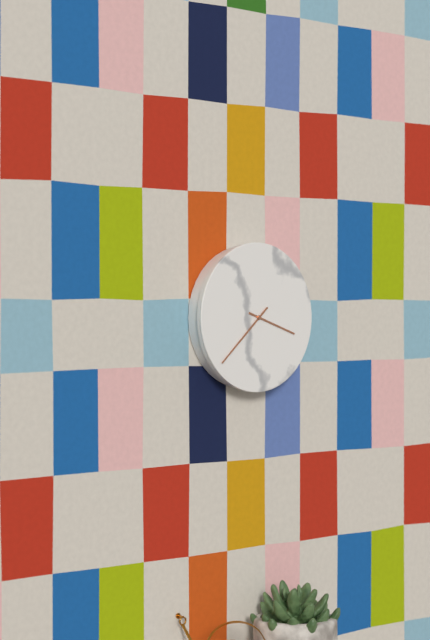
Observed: 3 h 38 min
